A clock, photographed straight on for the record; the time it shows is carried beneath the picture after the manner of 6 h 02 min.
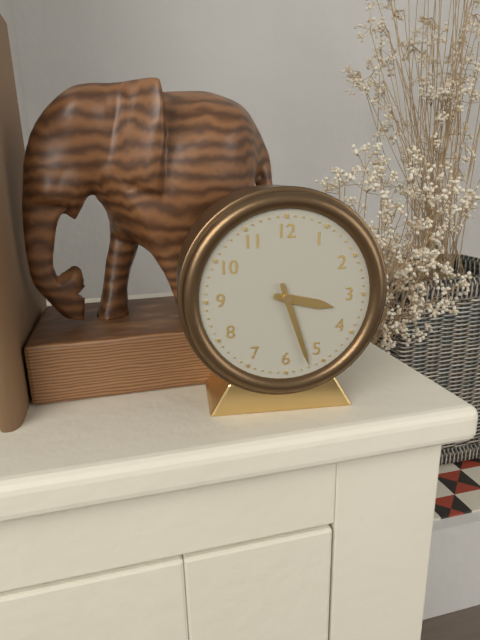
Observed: 3 h 27 min
